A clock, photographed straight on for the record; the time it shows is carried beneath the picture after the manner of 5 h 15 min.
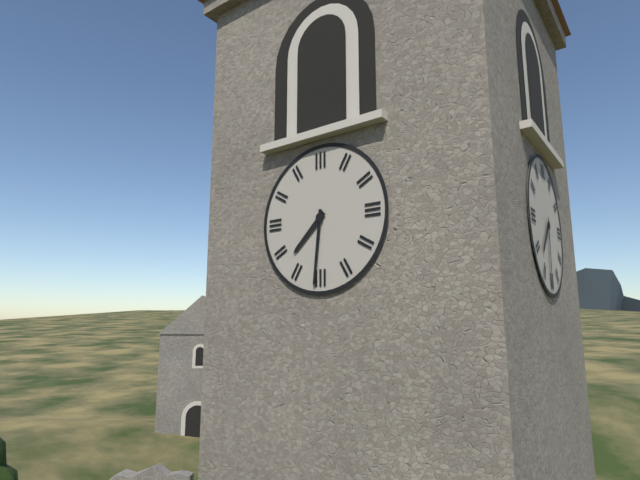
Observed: 7 h 31 min
